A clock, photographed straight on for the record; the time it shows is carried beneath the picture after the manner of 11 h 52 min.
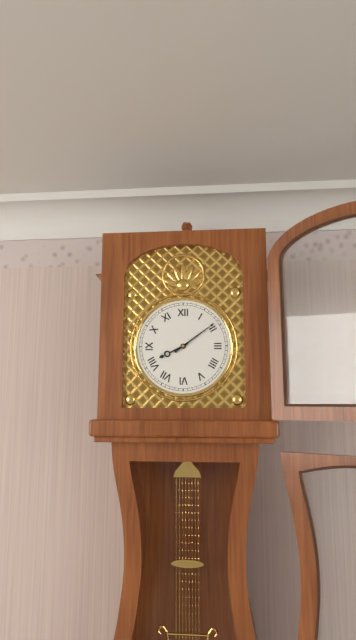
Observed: 8 h 09 min
